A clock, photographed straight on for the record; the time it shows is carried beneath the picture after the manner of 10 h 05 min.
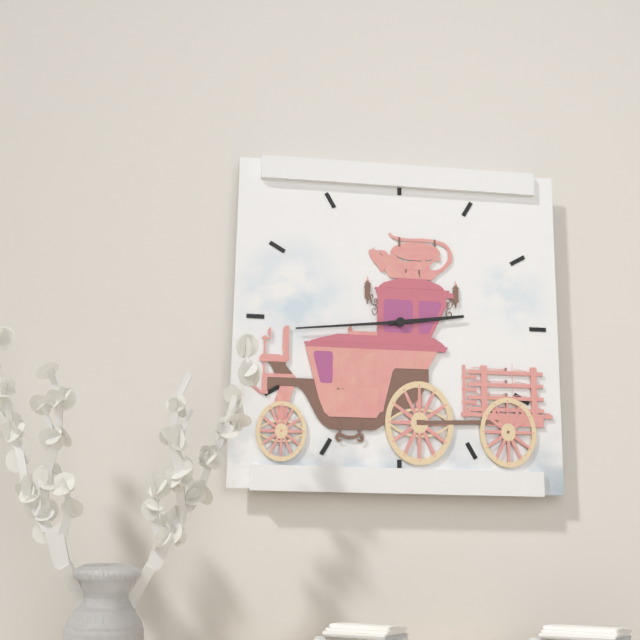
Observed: 2 h 44 min
